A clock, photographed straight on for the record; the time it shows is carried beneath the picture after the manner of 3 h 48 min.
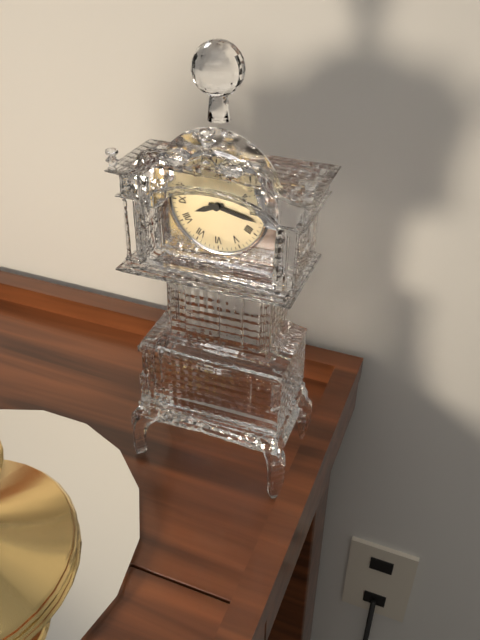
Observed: 8 h 17 min
